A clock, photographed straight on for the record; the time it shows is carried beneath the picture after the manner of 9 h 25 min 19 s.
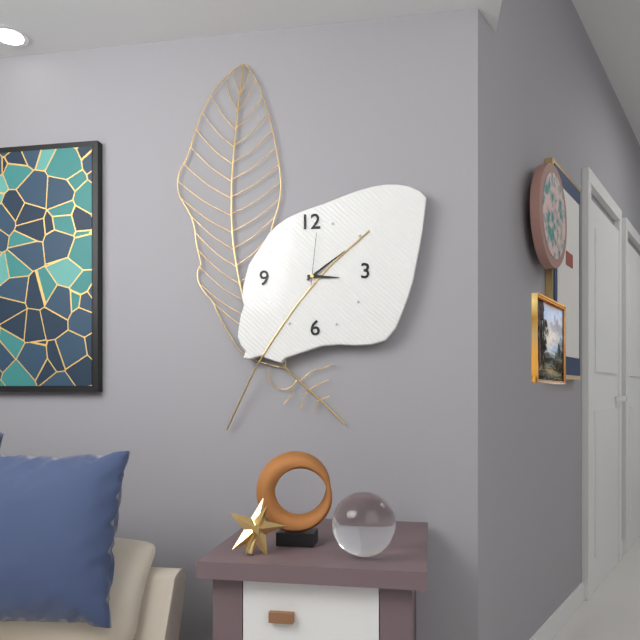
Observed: 3 h 09 min 01 s
